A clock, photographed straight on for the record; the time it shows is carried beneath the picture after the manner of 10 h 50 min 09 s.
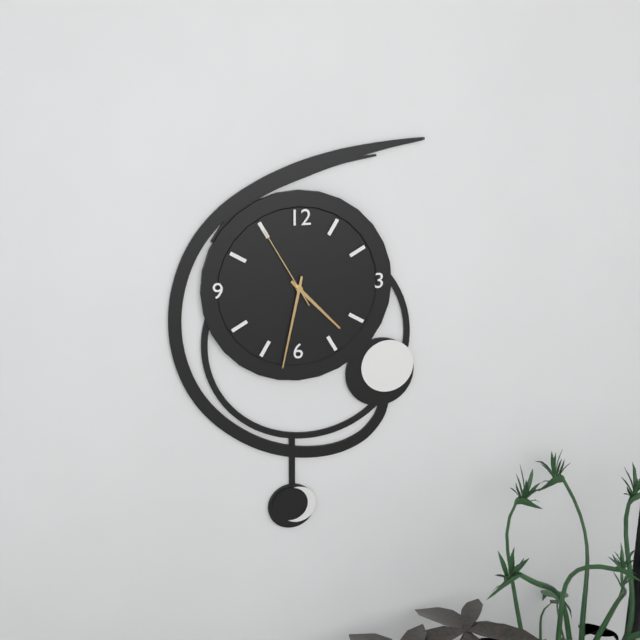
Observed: 4 h 32 min 55 s
